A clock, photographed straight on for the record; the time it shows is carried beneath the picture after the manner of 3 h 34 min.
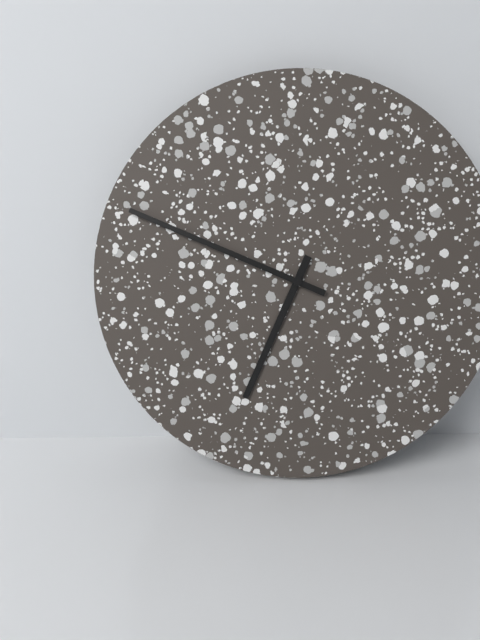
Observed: 6 h 49 min
